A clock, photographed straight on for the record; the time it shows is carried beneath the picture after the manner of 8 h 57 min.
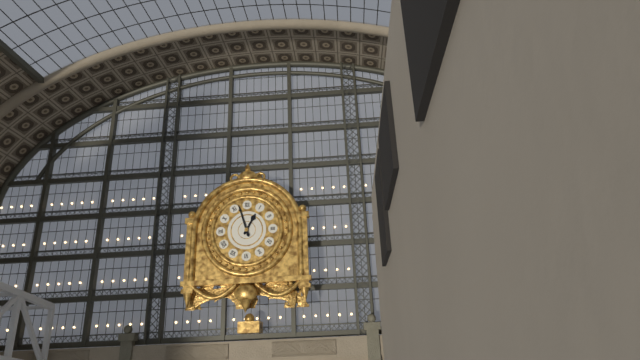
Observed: 12 h 57 min
